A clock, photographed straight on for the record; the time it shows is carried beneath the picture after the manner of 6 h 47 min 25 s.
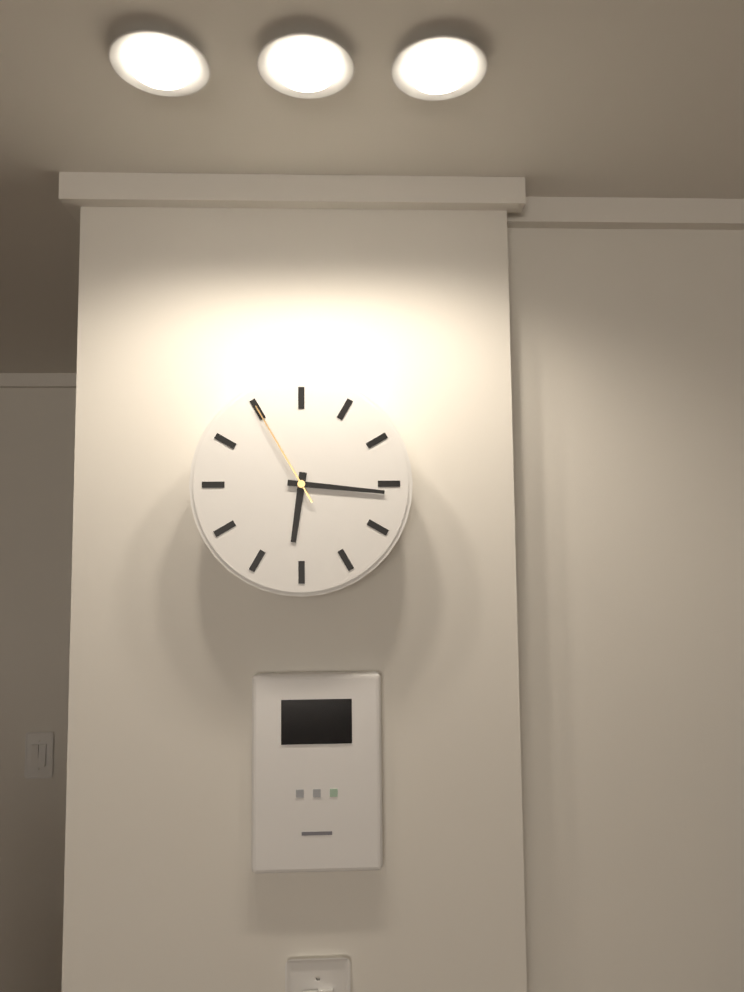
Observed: 6 h 16 min 55 s
